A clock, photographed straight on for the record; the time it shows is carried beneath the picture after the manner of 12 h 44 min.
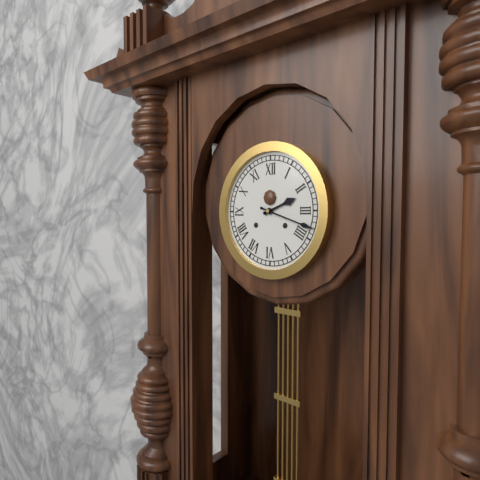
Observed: 2 h 18 min
